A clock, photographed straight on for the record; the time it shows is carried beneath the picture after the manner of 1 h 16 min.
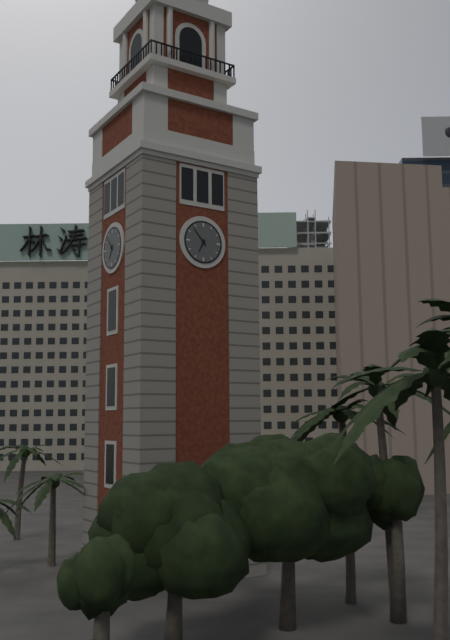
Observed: 6 h 53 min
